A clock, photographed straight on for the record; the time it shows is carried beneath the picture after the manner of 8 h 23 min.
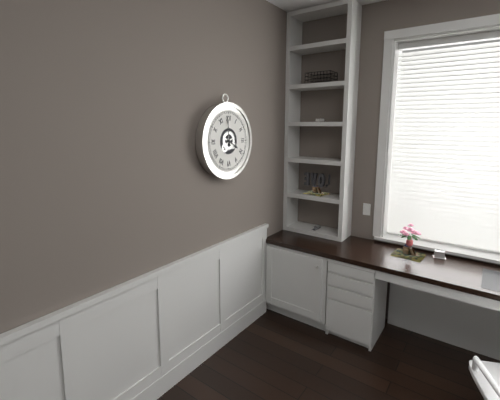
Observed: 3 h 59 min
